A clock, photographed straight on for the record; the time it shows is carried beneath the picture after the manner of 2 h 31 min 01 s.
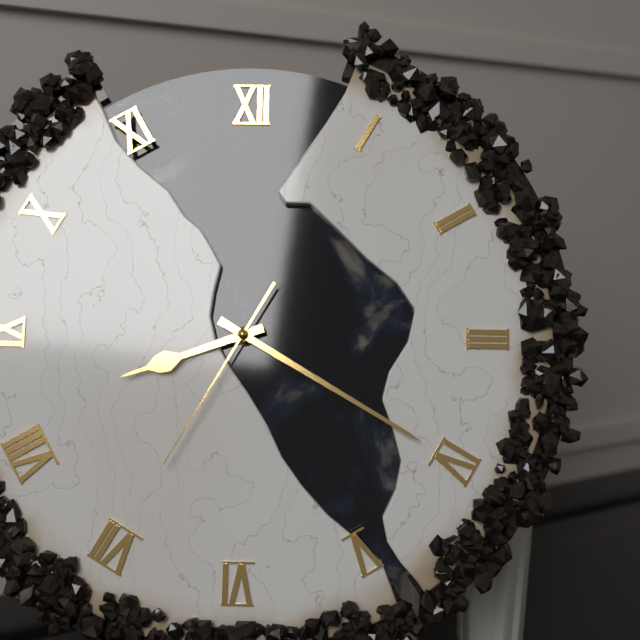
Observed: 8 h 20 min 35 s
